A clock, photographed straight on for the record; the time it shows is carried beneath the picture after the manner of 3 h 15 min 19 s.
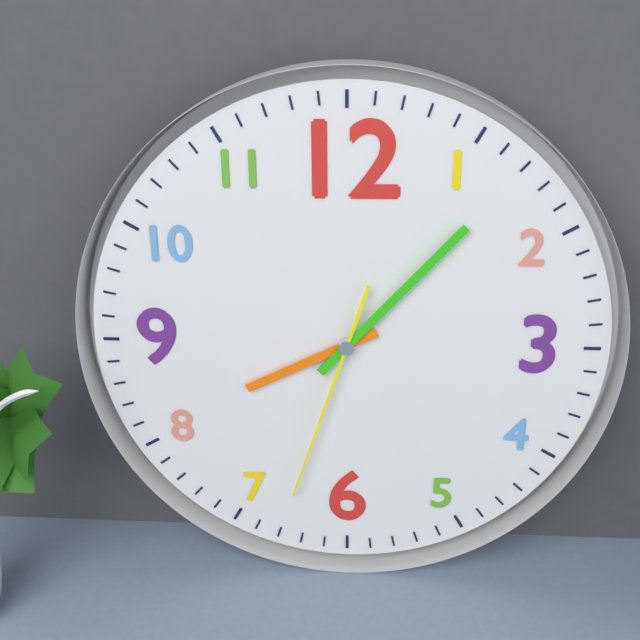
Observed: 8 h 07 min 33 s
